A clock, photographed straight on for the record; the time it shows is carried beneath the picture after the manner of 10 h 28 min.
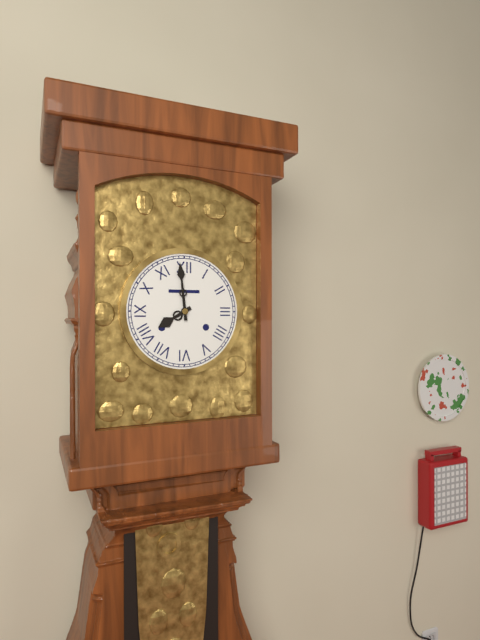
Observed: 7 h 59 min
